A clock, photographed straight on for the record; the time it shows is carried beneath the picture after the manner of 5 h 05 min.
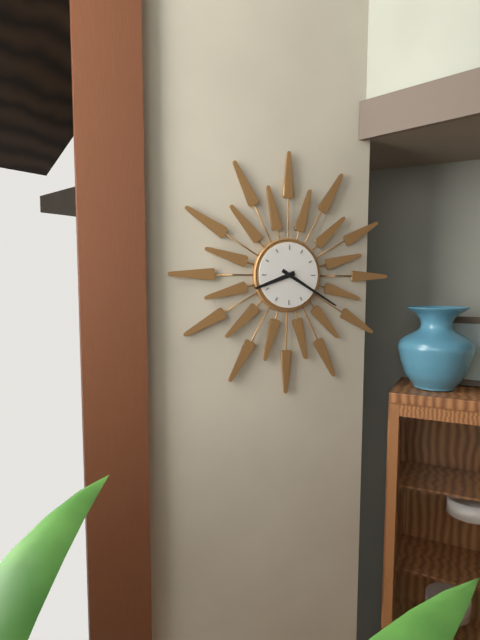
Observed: 8 h 20 min
